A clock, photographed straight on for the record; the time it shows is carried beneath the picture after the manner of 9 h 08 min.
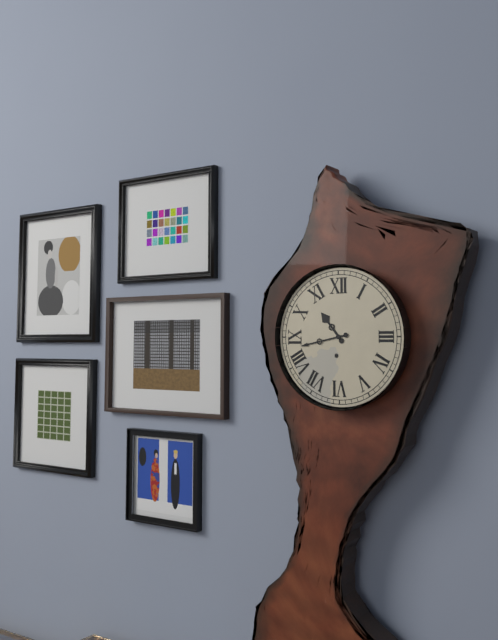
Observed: 10 h 43 min
